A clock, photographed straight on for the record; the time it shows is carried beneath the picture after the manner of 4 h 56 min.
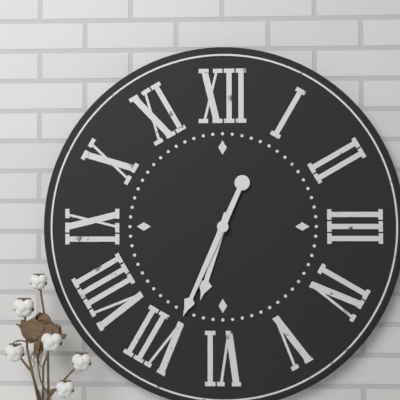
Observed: 6 h 34 min
